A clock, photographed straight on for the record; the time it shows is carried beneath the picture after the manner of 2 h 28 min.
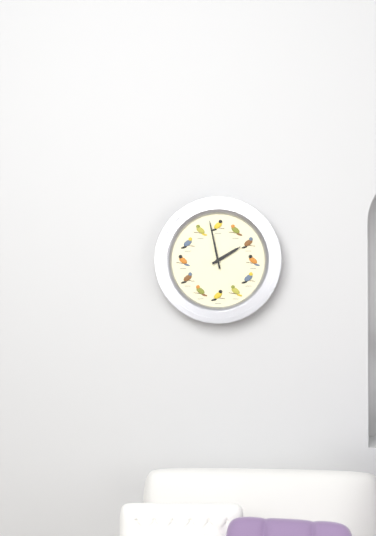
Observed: 1 h 58 min
